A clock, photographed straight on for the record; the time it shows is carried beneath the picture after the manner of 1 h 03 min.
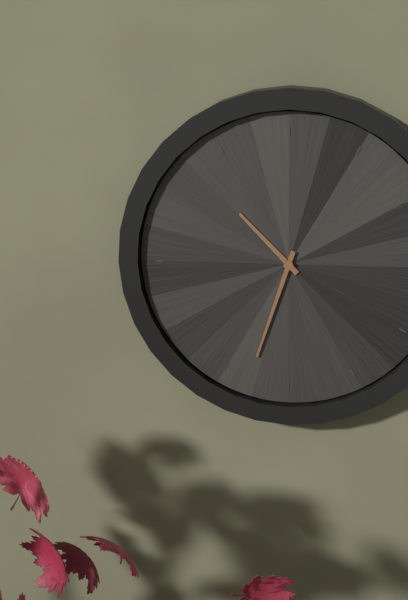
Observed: 10 h 33 min
